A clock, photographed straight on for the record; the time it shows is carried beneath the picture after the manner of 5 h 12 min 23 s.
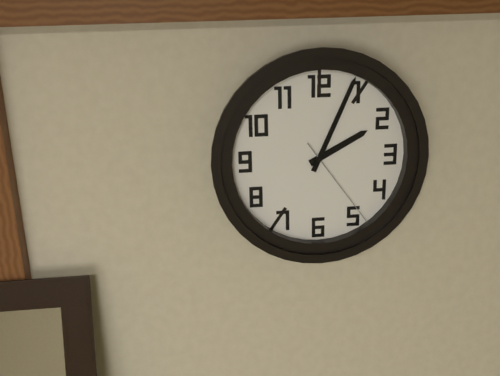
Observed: 2 h 04 min 24 s
